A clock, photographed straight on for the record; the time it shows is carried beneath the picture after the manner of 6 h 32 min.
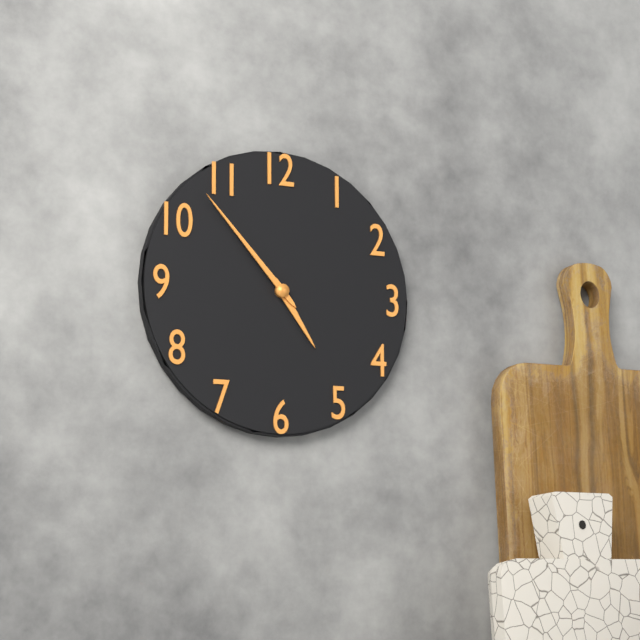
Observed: 4 h 53 min
